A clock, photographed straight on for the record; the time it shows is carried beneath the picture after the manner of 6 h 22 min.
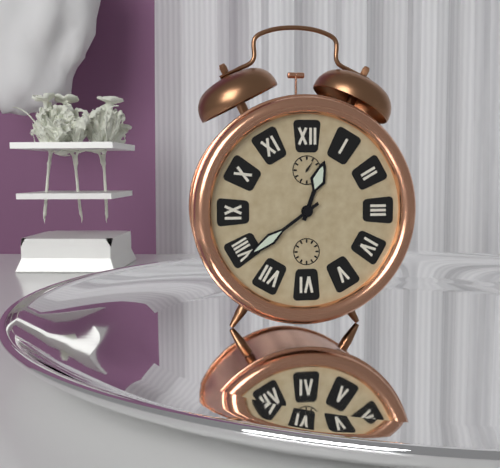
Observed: 12 h 39 min
